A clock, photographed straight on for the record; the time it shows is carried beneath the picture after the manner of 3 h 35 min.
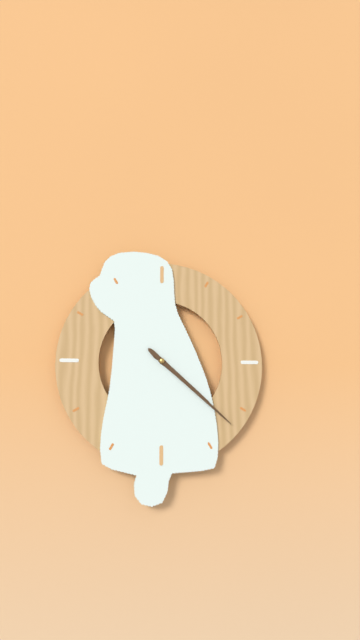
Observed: 4 h 22 min
